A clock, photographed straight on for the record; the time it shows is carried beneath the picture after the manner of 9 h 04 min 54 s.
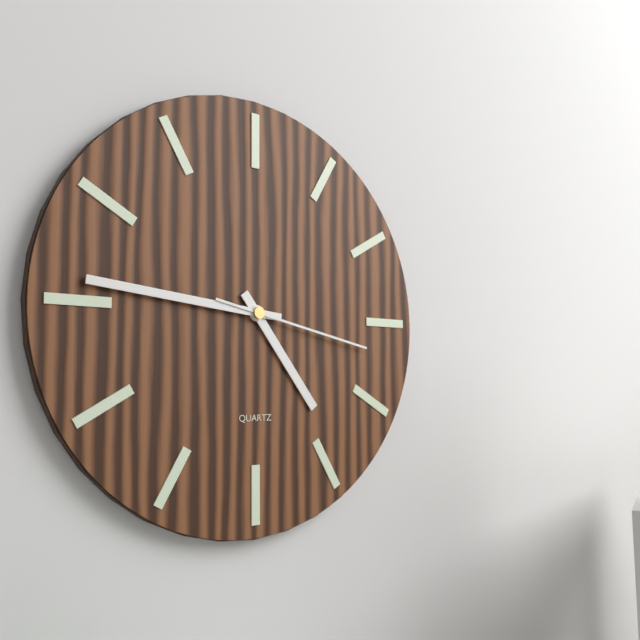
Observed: 4 h 46 min 17 s
